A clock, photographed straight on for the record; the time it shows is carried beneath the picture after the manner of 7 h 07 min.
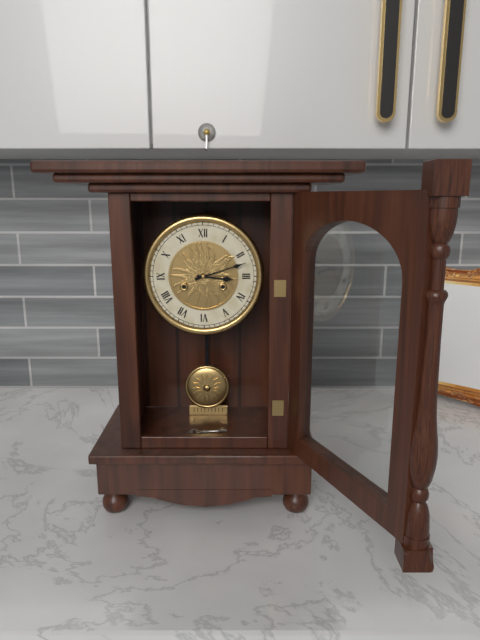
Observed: 3 h 12 min
